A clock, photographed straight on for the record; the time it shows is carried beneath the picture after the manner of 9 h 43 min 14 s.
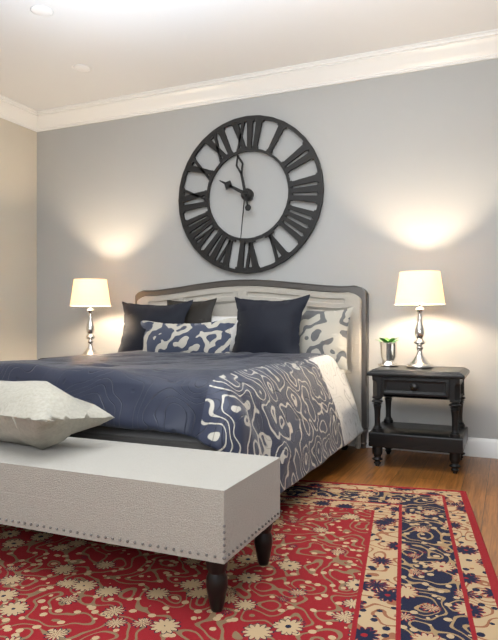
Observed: 9 h 58 min 31 s
